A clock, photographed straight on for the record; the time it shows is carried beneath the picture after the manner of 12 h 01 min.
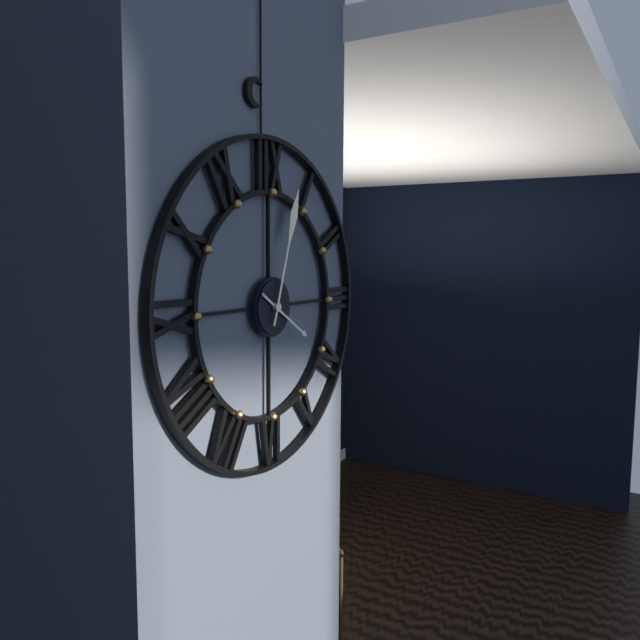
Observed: 4 h 03 min
